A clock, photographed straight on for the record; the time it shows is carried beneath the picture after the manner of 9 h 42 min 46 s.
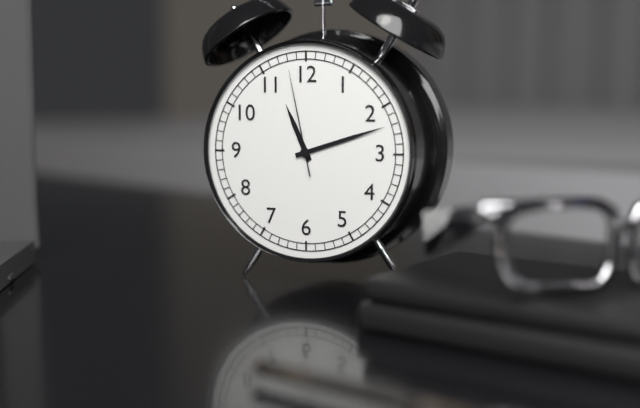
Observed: 11 h 12 min 58 s
